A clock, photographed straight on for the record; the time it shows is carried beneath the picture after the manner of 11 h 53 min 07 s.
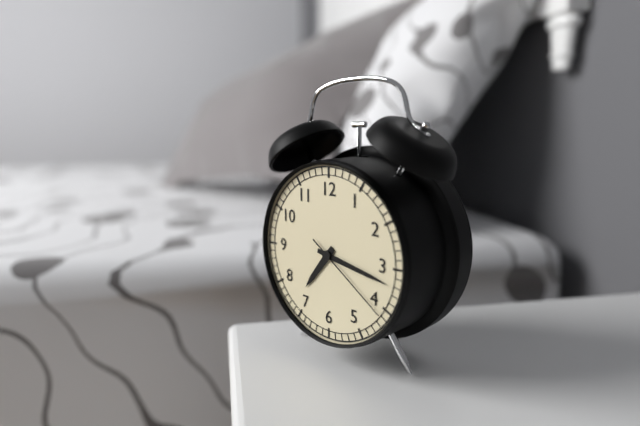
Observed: 7 h 17 min 21 s
